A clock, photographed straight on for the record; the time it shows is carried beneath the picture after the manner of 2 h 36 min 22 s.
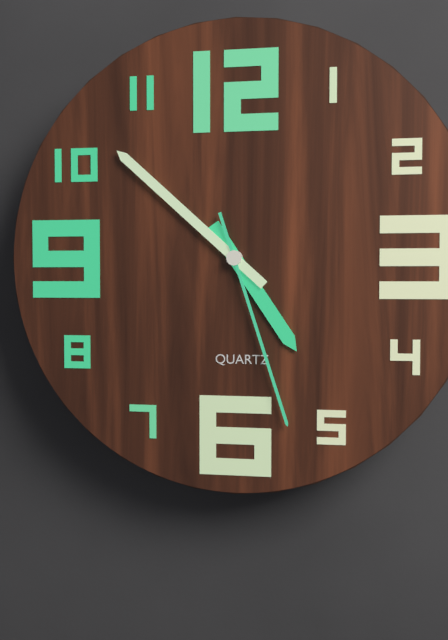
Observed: 4 h 52 min 27 s
